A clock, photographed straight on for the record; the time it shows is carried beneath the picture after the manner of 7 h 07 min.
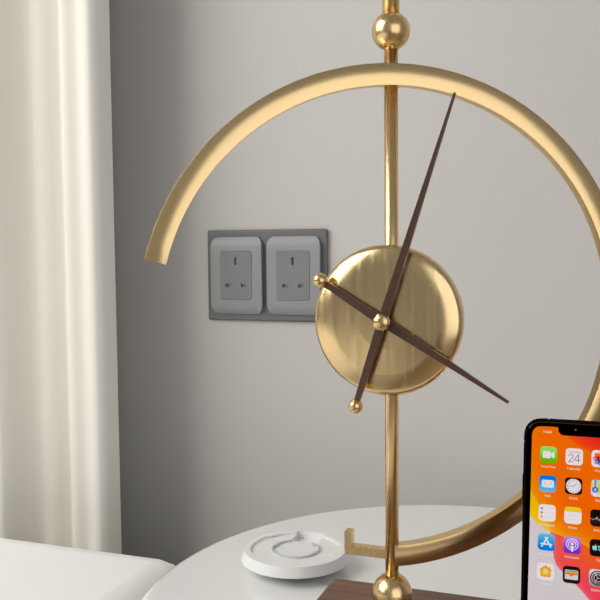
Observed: 4 h 03 min
